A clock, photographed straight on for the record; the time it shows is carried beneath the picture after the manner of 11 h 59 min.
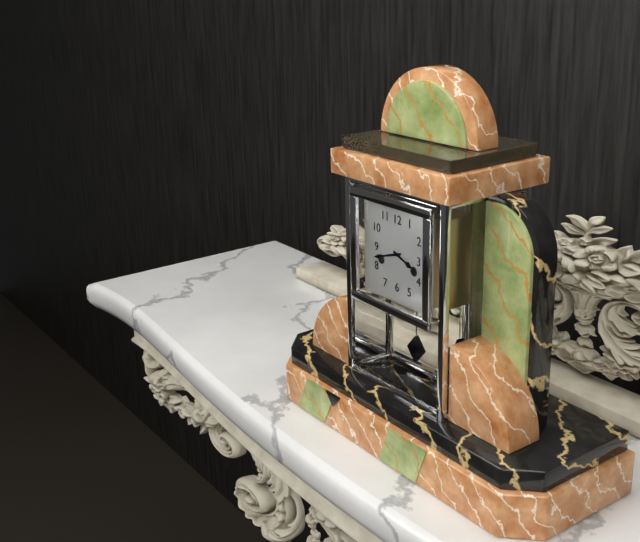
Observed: 3 h 42 min
